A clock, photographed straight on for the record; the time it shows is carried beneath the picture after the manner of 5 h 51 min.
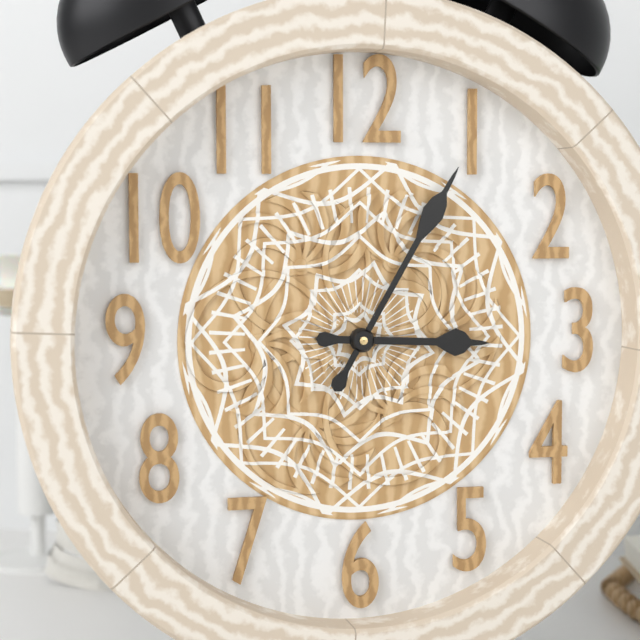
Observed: 3 h 05 min
